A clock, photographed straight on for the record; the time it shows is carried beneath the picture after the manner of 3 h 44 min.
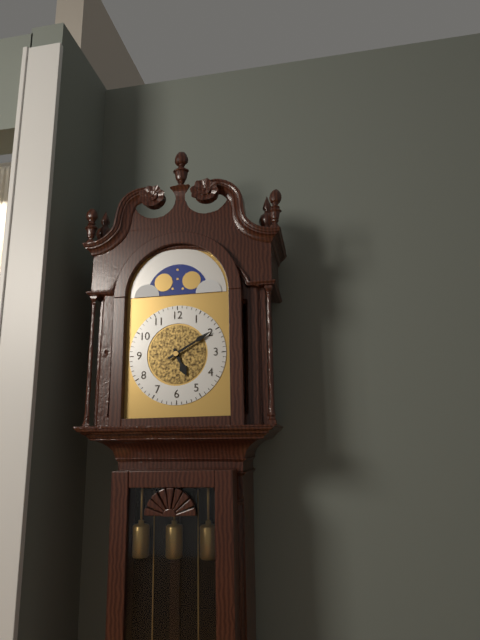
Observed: 5 h 10 min
